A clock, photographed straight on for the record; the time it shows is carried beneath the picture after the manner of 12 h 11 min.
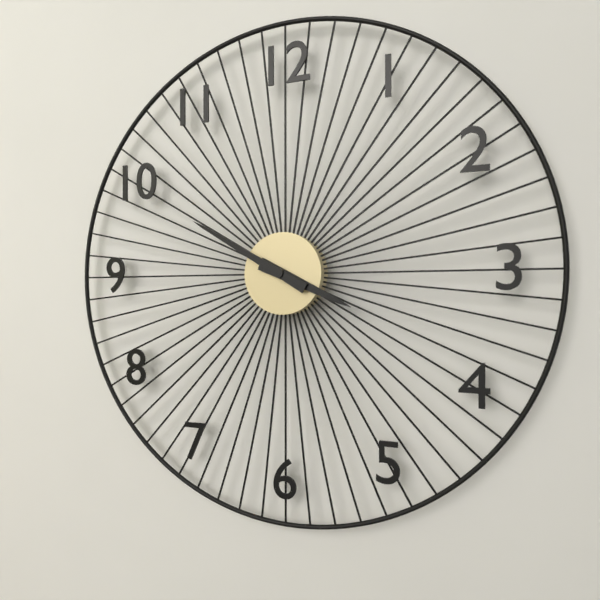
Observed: 3 h 50 min
